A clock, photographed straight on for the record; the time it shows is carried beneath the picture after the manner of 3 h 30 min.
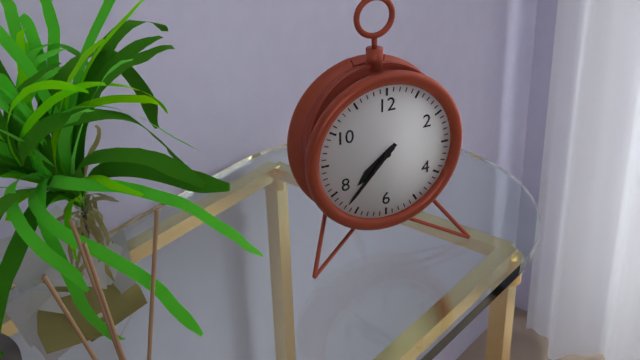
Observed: 7 h 37 min
